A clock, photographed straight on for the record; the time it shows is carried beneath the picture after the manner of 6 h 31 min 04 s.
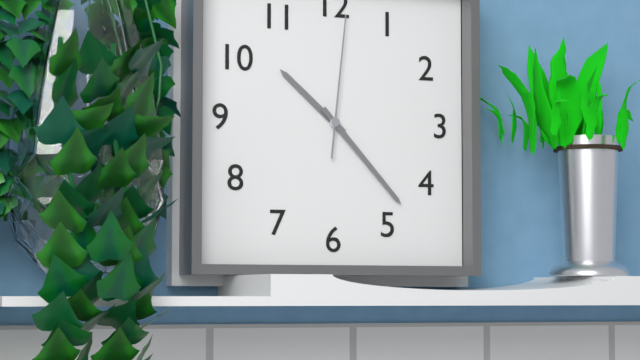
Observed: 10 h 23 min 01 s
